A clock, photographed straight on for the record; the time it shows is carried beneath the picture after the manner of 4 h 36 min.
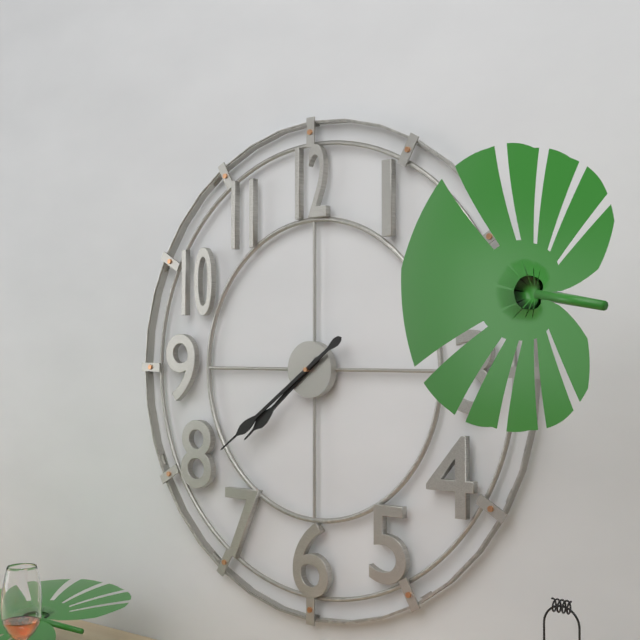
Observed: 7 h 39 min
